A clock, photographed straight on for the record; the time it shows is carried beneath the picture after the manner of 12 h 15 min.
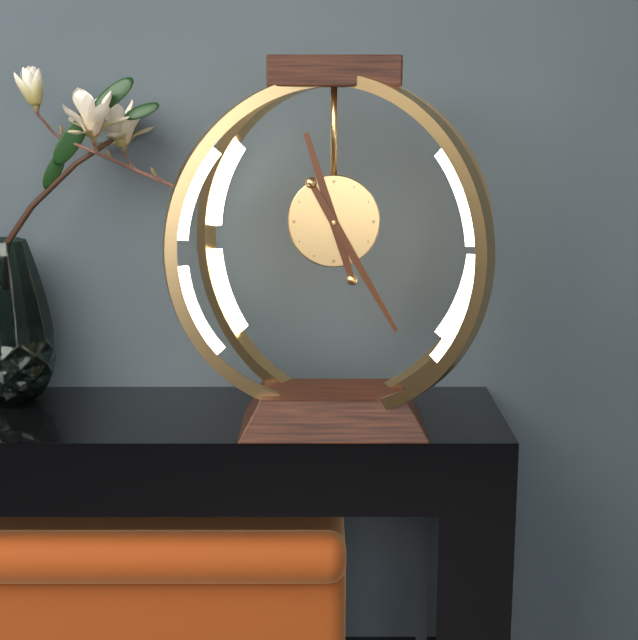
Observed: 11 h 25 min
